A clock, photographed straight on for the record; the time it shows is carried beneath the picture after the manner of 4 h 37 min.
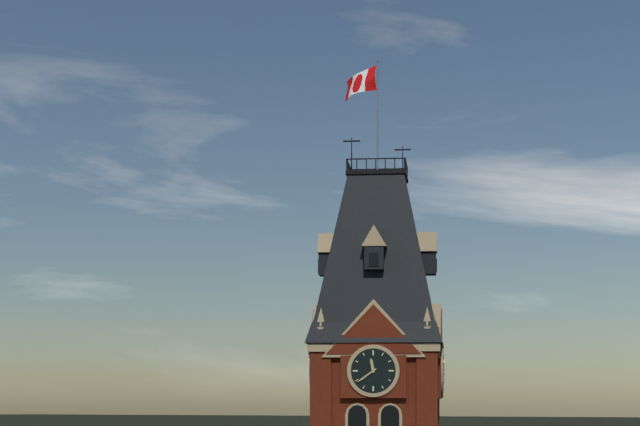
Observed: 11 h 39 min
